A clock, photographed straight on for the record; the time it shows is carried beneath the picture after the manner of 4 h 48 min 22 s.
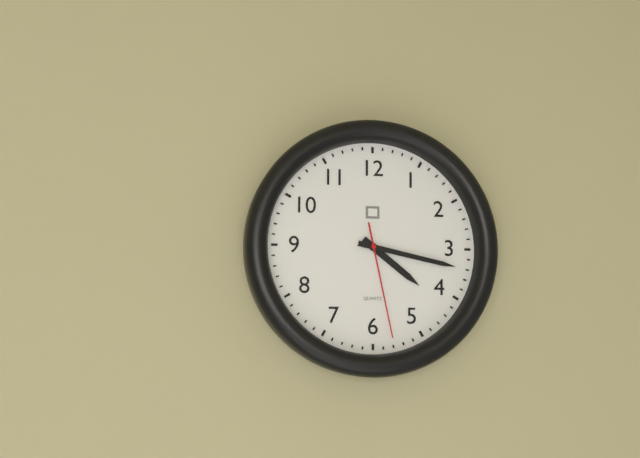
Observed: 4 h 17 min 28 s
